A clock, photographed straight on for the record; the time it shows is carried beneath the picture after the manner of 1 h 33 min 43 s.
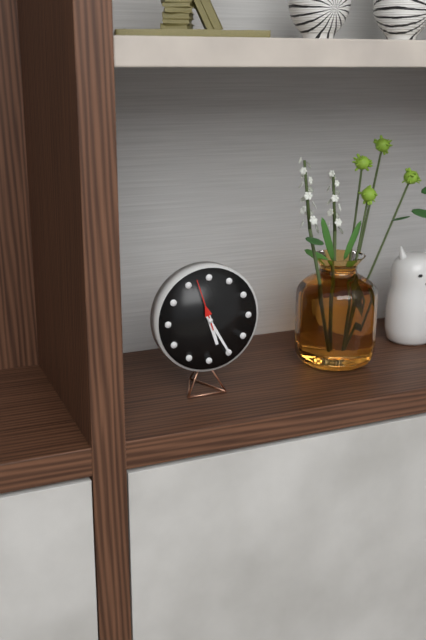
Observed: 5 h 25 min 57 s
